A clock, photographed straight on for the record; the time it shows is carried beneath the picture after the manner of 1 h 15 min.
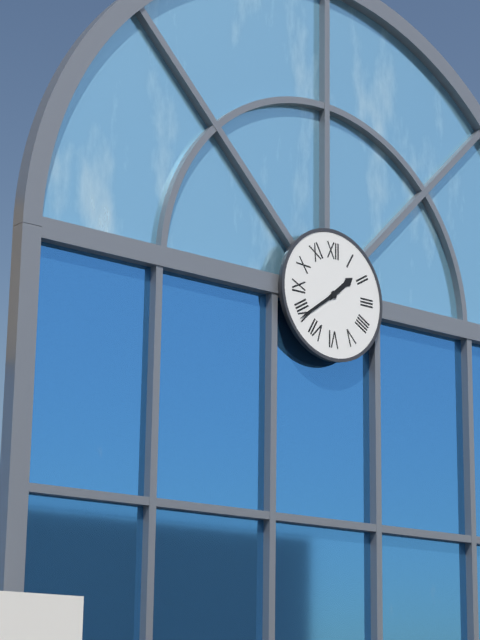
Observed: 1 h 39 min
